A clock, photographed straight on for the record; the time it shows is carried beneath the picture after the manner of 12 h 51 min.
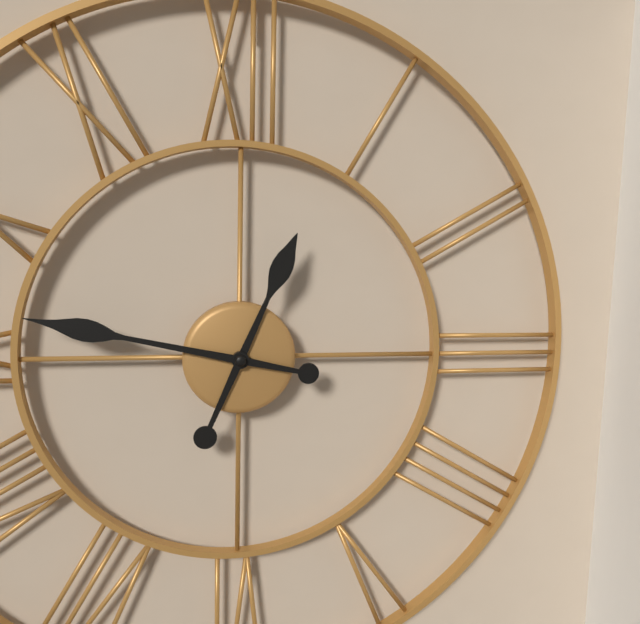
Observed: 12 h 47 min
